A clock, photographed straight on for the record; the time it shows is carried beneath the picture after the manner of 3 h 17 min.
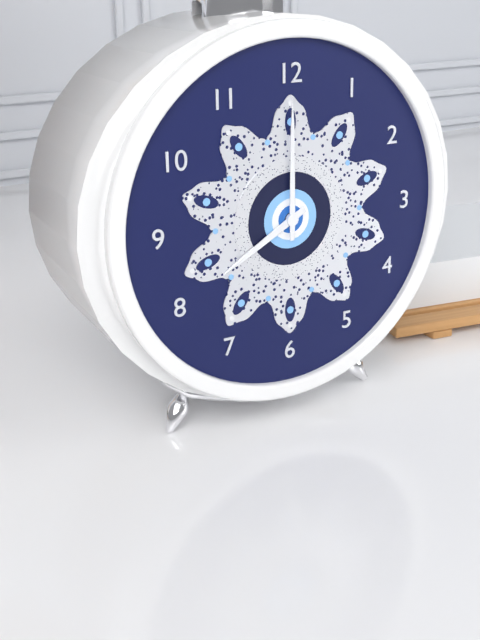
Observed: 8 h 00 min
